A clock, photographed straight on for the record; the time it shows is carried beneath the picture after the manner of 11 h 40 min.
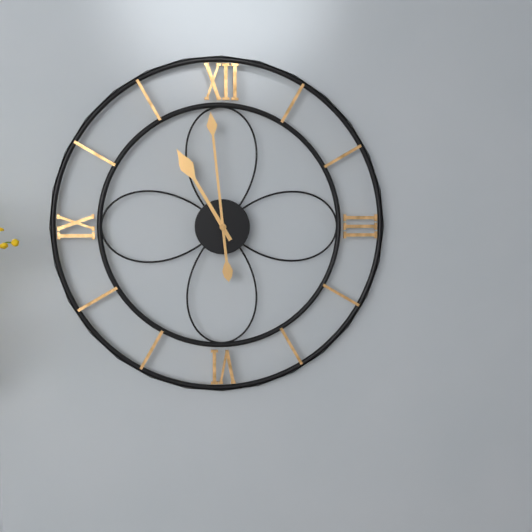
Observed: 10 h 59 min
